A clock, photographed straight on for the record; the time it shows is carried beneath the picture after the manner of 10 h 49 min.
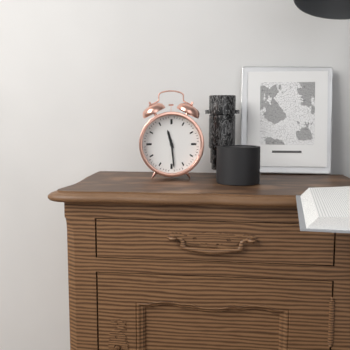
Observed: 11 h 29 min
